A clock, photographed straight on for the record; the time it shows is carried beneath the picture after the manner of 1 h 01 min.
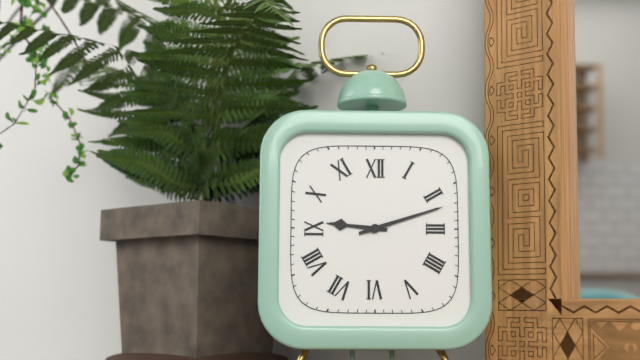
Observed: 9 h 12 min
